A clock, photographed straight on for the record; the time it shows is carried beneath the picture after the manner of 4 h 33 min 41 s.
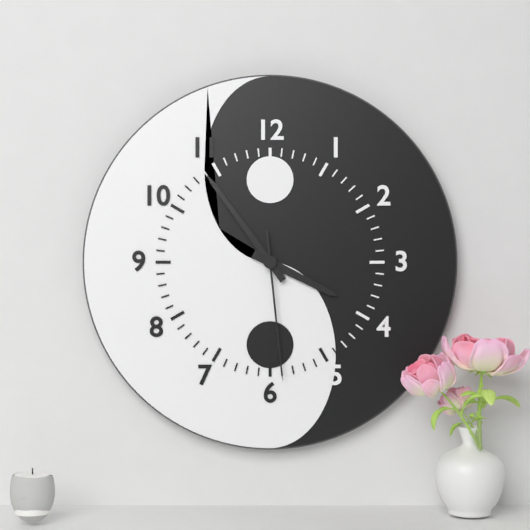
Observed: 3 h 54 min 29 s
